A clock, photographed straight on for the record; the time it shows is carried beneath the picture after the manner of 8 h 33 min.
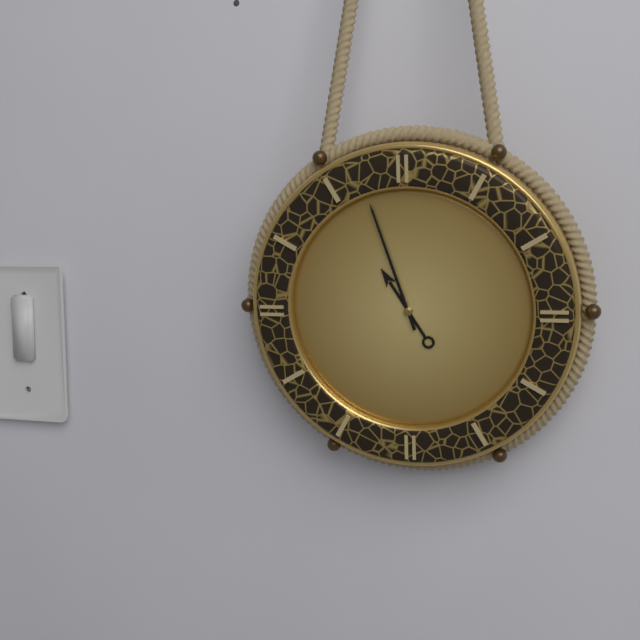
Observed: 10 h 57 min
